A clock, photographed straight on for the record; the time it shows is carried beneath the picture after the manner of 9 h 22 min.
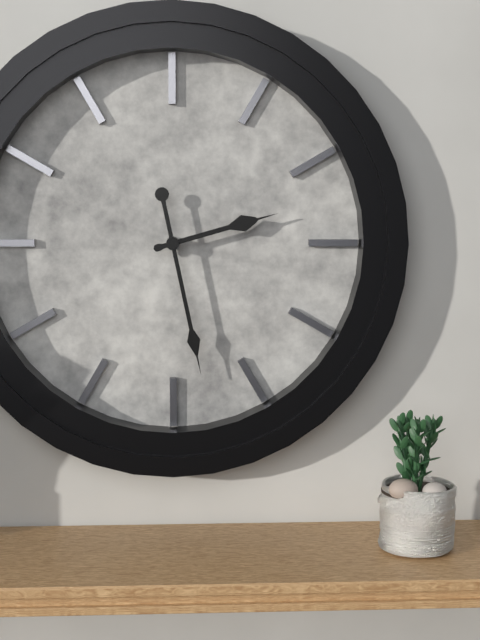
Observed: 2 h 28 min
